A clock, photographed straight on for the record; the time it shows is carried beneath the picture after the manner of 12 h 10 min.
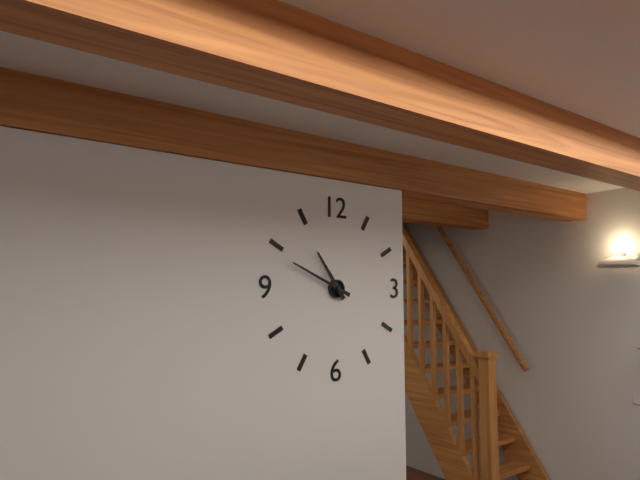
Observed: 10 h 49 min
